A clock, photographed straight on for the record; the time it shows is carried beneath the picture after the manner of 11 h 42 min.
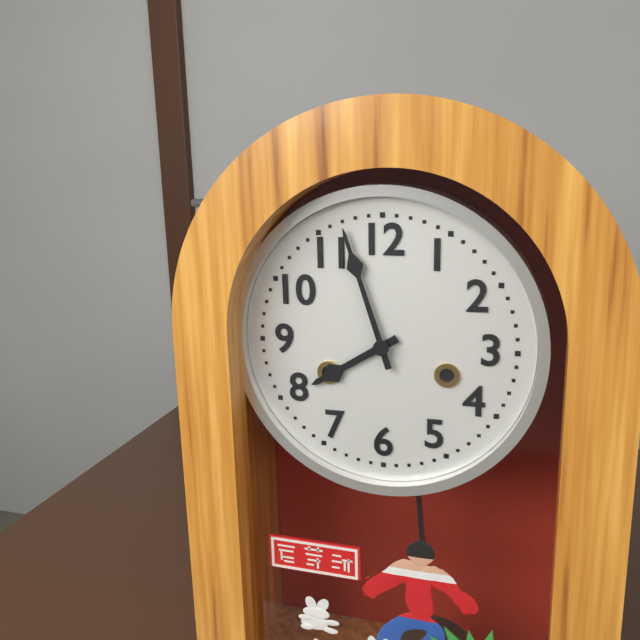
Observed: 7 h 57 min
